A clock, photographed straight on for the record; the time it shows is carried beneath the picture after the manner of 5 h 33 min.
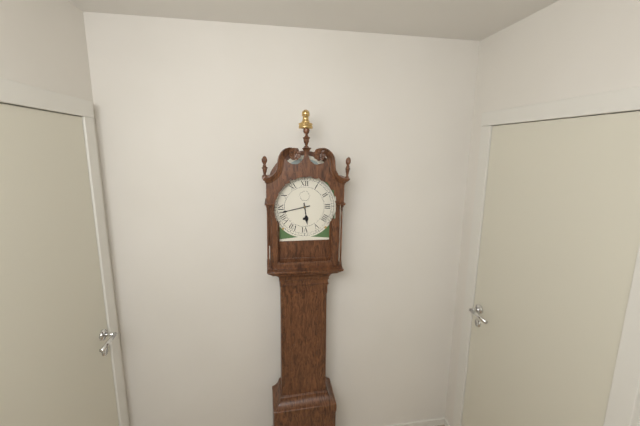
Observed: 5 h 43 min
